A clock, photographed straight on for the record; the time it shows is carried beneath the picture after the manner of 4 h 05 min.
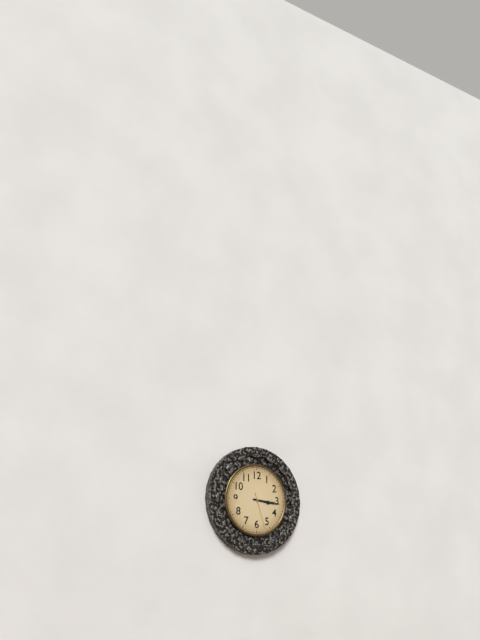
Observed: 3 h 16 min
